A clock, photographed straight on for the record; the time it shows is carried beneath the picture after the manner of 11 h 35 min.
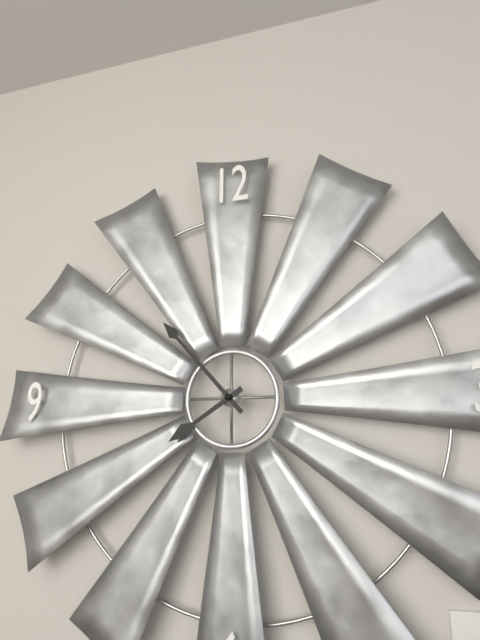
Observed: 7 h 53 min
